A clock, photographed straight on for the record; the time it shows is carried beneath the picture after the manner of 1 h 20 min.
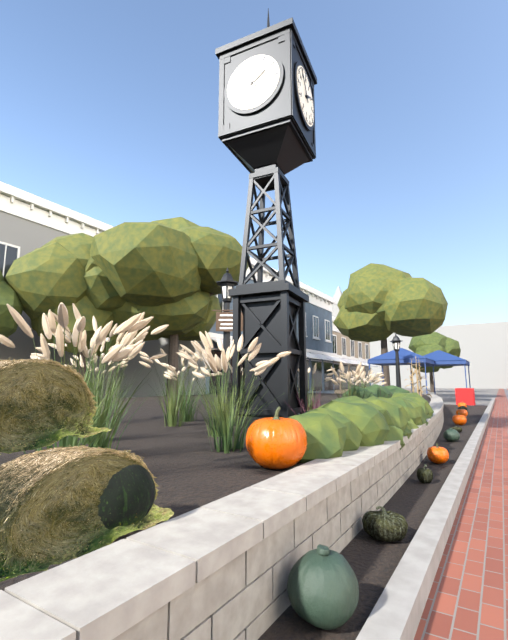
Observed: 1 h 54 min
